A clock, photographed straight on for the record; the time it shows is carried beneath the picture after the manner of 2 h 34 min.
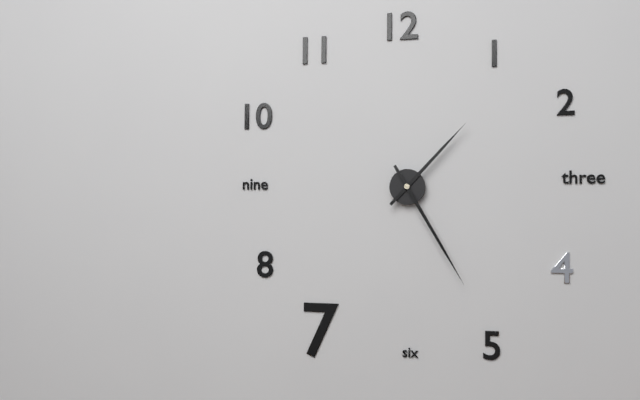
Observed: 1 h 25 min
